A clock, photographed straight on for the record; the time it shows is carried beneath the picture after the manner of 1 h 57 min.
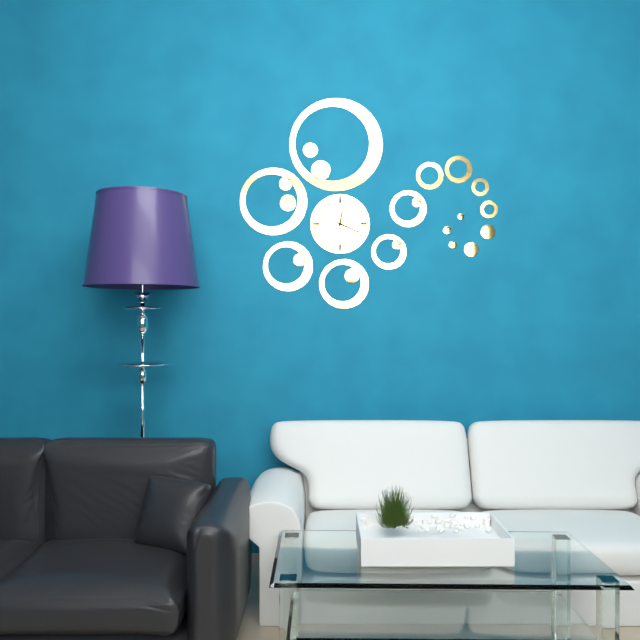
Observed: 12 h 19 min
